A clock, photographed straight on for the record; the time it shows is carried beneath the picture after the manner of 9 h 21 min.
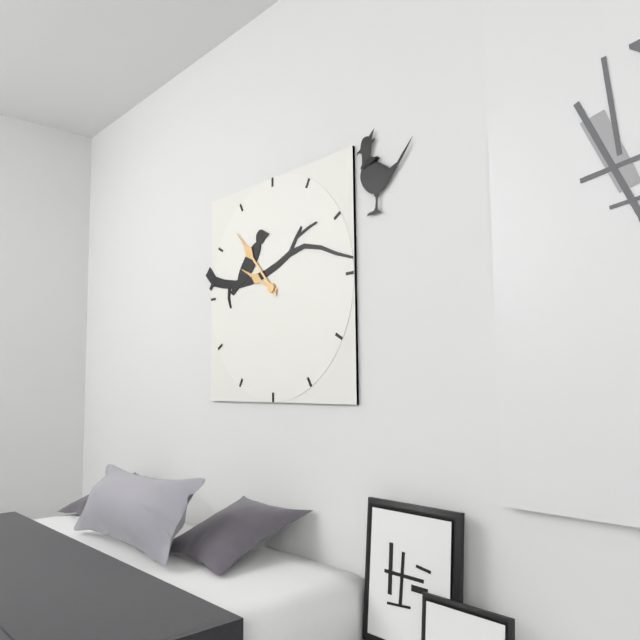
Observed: 9 h 53 min
